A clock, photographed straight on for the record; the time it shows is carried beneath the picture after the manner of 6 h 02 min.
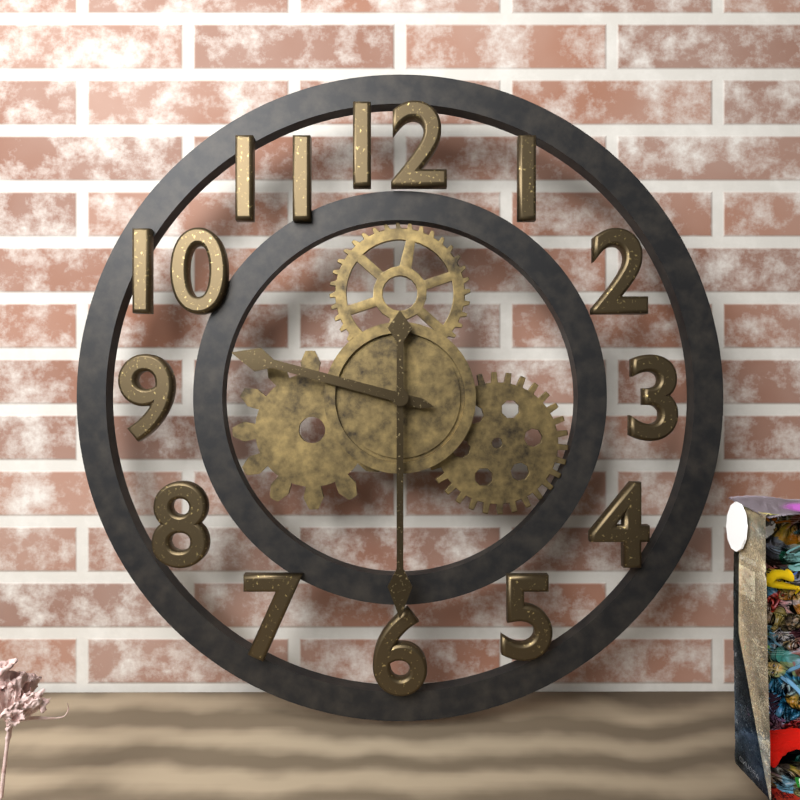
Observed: 9 h 30 min
